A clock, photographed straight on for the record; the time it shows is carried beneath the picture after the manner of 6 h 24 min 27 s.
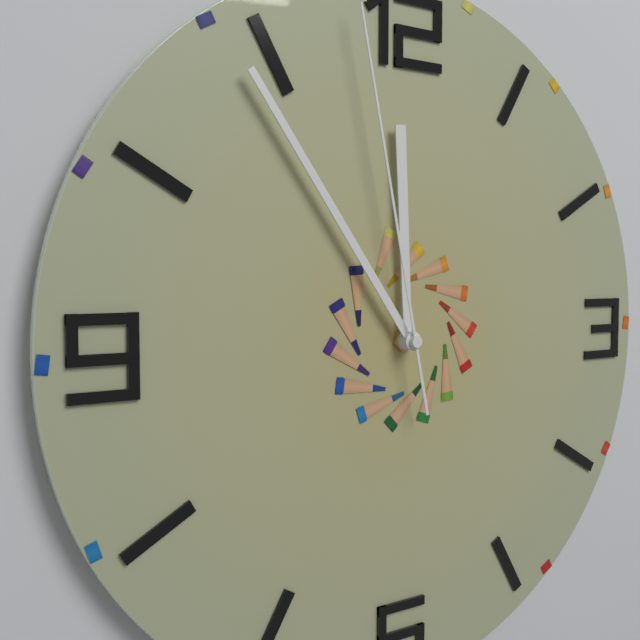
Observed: 11 h 54 min 58 s
